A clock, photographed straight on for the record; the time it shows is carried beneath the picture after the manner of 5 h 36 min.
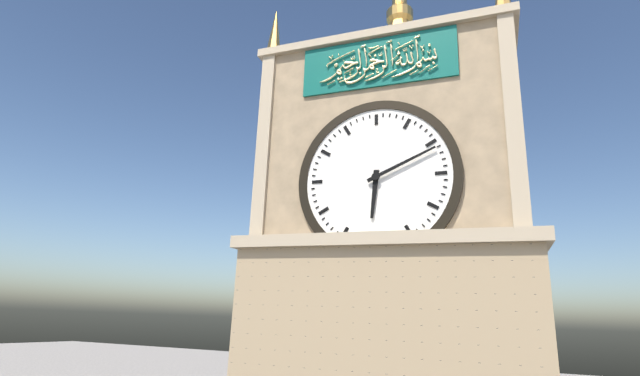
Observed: 6 h 11 min
